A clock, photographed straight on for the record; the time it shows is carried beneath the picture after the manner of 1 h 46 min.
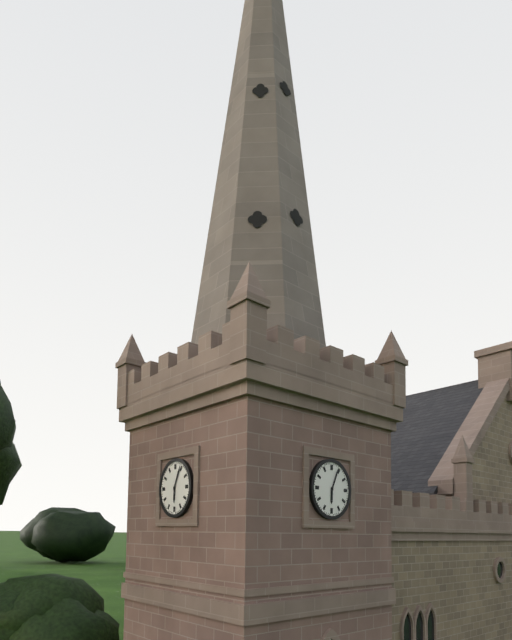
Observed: 6 h 04 min
